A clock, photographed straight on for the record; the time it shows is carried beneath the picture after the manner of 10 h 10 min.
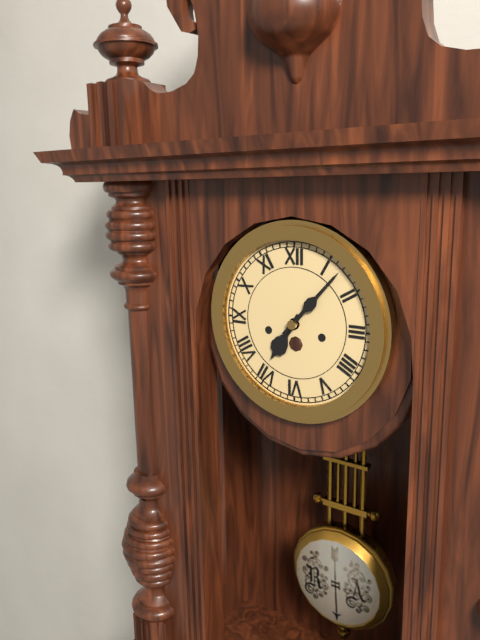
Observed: 7 h 07 min
